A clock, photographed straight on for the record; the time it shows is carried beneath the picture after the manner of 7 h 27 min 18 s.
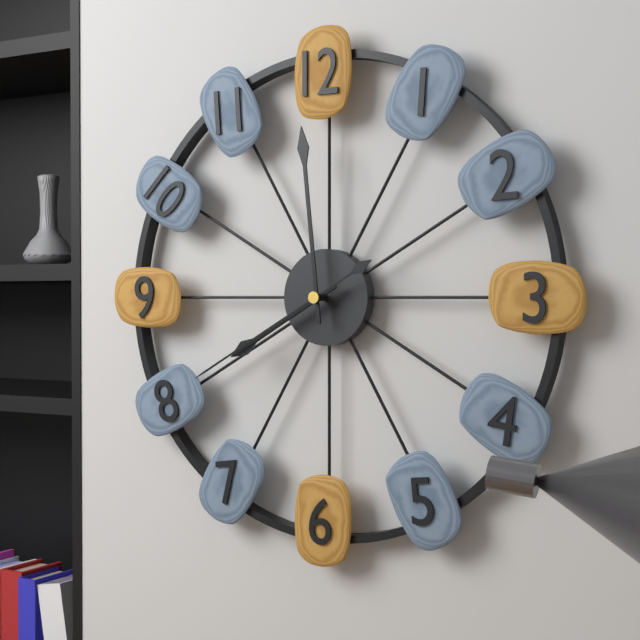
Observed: 7 h 59 min 40 s
